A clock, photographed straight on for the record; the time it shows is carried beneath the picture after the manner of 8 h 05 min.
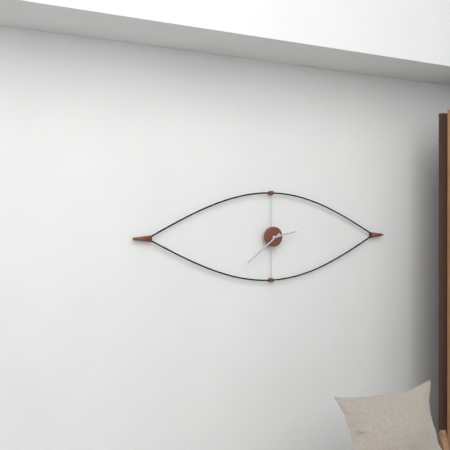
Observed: 2 h 39 min
